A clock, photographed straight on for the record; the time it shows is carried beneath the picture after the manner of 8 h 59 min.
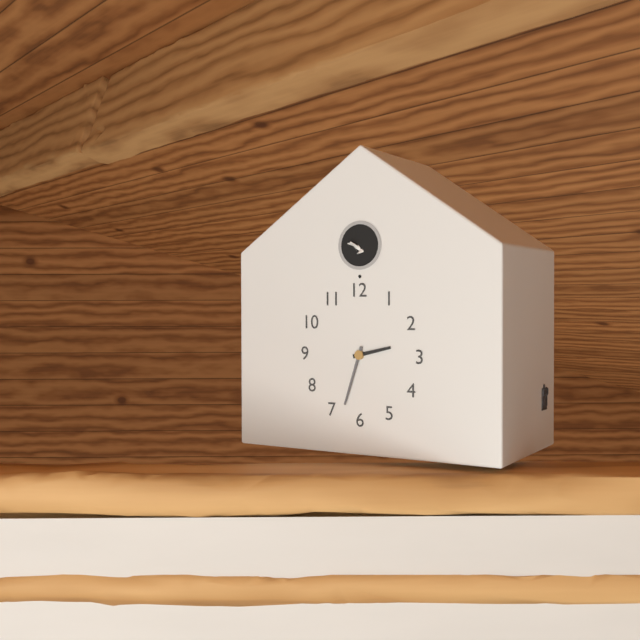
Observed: 2 h 33 min
